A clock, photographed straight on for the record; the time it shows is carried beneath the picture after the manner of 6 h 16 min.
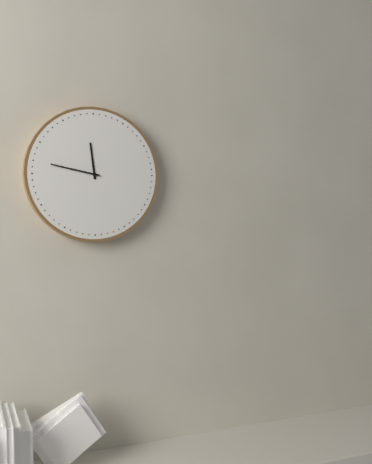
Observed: 11 h 47 min
